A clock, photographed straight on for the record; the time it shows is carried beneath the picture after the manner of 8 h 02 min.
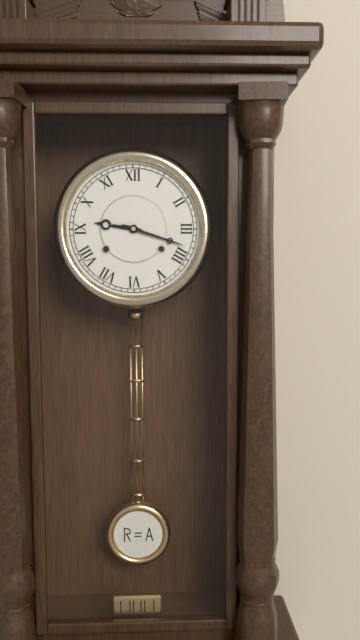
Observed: 9 h 18 min
